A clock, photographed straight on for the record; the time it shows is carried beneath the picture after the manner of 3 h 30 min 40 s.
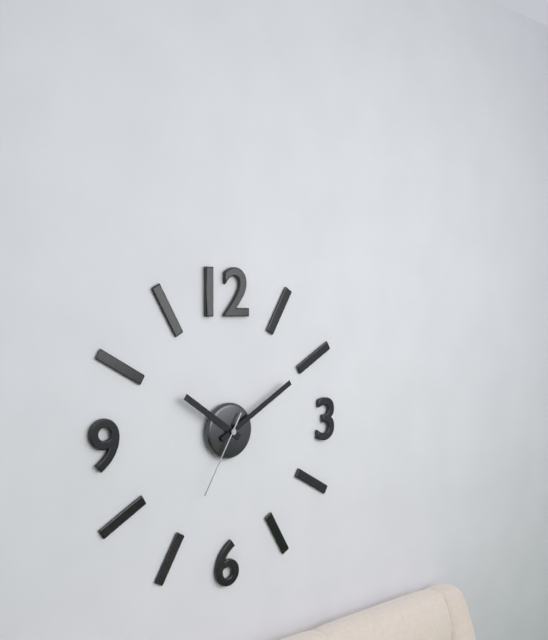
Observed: 10 h 10 min 35 s
